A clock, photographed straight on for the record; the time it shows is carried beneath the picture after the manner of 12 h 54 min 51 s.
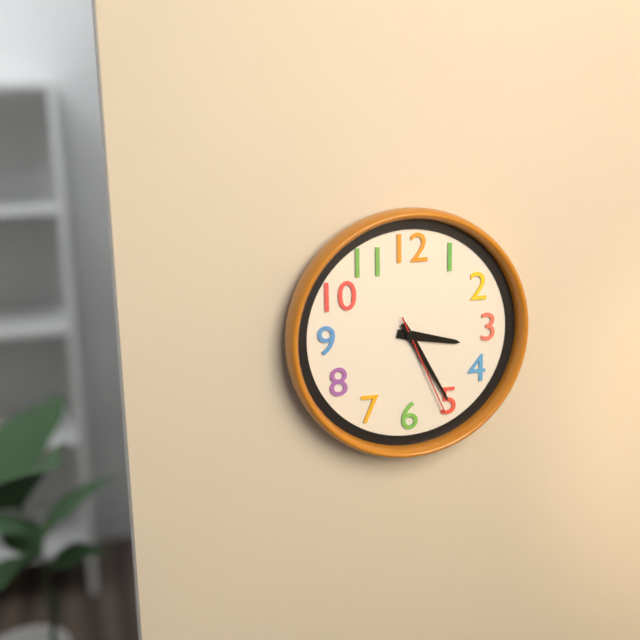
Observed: 3 h 25 min 26 s
